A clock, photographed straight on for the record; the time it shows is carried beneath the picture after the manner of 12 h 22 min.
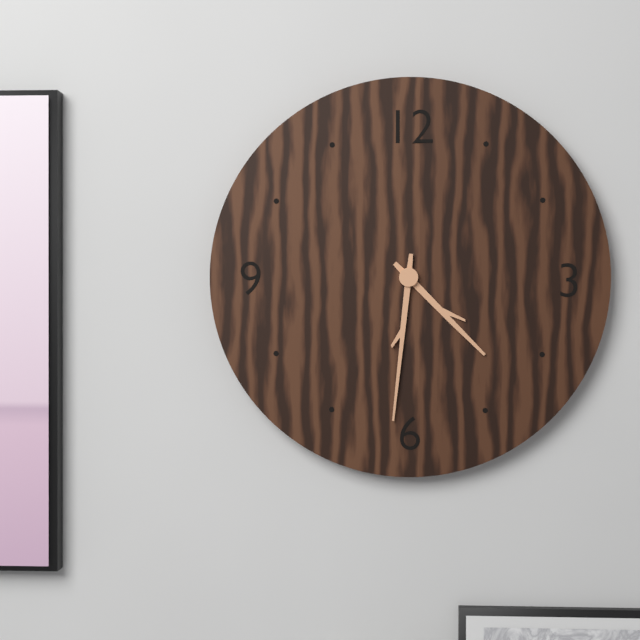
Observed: 4 h 31 min
